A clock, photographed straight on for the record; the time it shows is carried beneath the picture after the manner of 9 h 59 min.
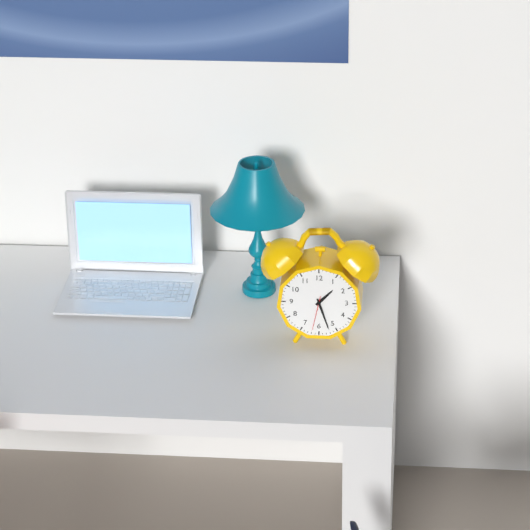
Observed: 1 h 27 min
